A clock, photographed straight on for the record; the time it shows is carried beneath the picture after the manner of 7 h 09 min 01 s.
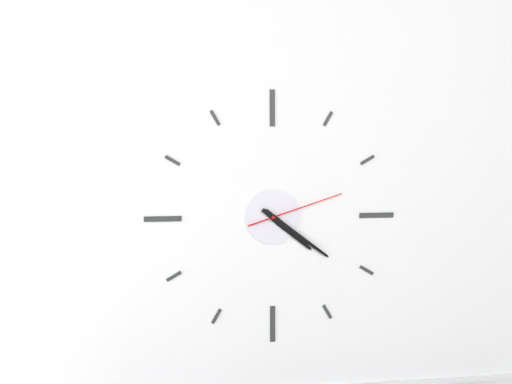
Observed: 4 h 21 min 12 s
